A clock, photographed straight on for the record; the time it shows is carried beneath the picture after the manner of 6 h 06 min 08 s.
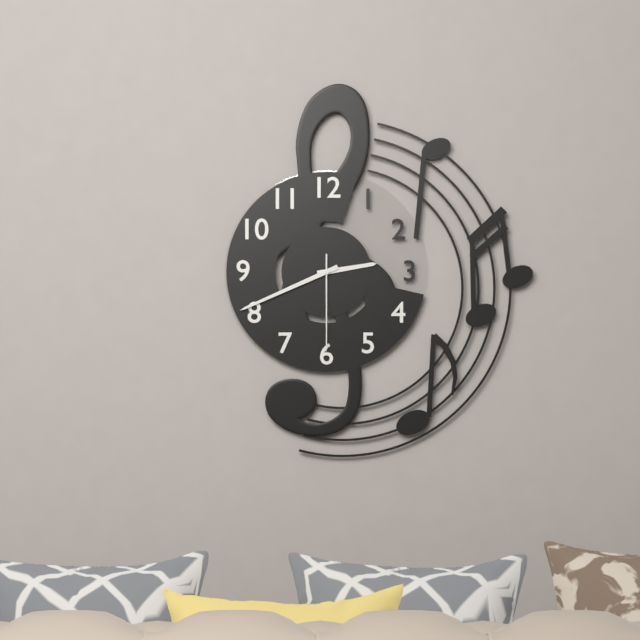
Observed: 2 h 41 min 30 s
